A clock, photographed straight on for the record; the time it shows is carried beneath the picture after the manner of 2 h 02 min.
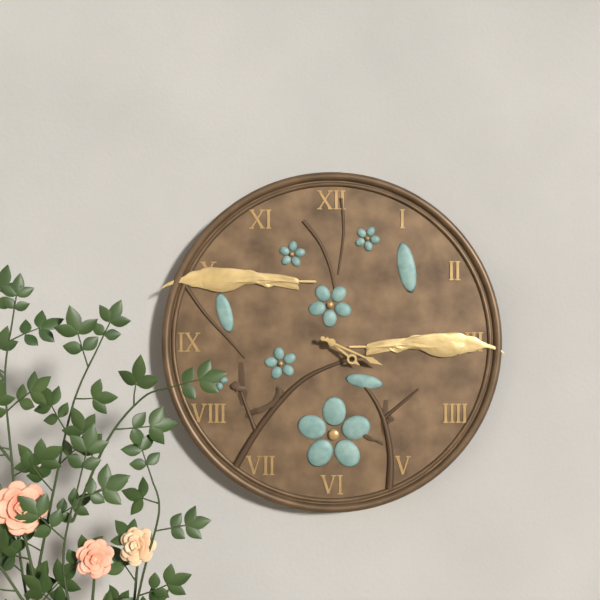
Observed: 4 h 19 min
